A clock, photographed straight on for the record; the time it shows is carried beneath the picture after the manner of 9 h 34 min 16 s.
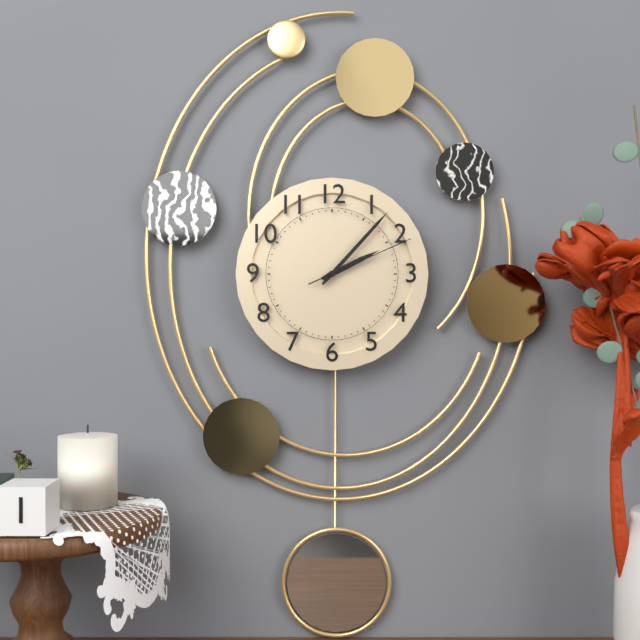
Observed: 2 h 07 min 11 s
